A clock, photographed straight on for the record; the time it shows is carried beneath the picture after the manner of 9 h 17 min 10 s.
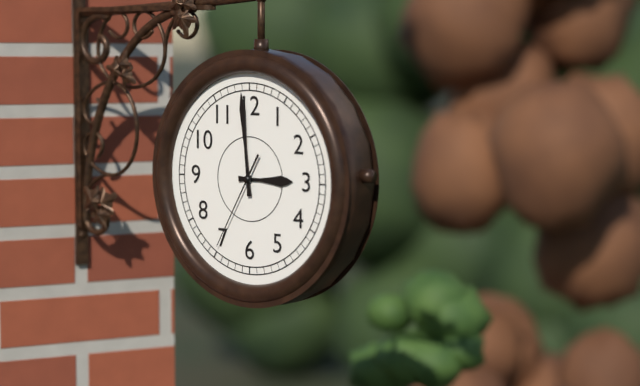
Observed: 2 h 59 min 35 s
